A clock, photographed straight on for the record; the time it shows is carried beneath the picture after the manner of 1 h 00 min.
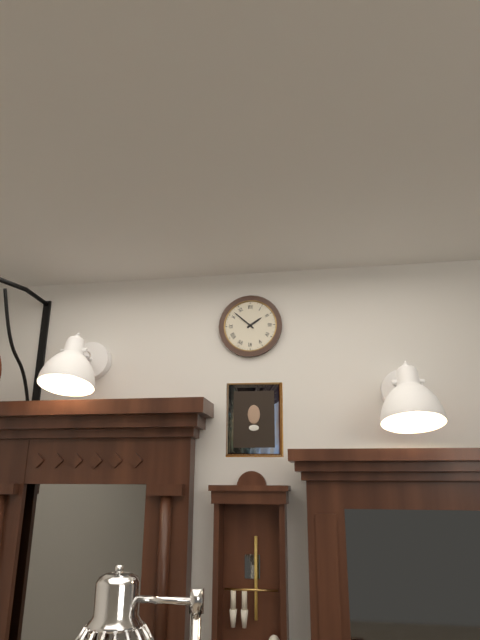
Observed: 1 h 52 min
